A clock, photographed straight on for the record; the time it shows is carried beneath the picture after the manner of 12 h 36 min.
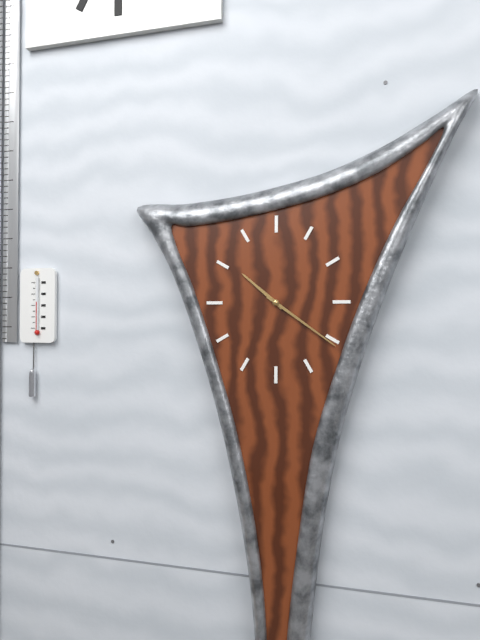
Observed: 10 h 21 min
